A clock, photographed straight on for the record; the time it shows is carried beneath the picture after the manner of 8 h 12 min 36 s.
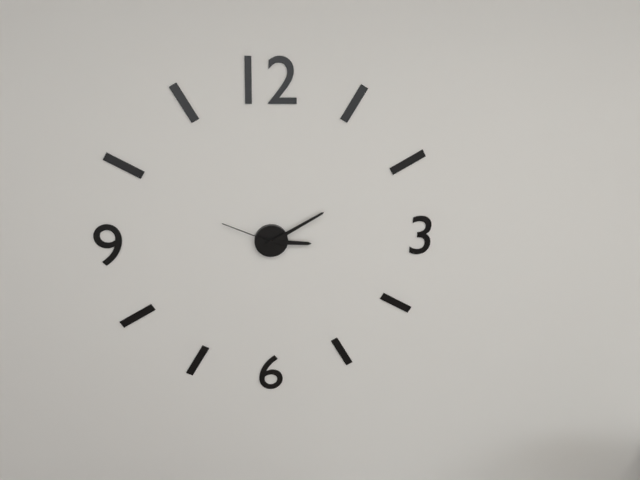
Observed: 3 h 10 min 49 s
